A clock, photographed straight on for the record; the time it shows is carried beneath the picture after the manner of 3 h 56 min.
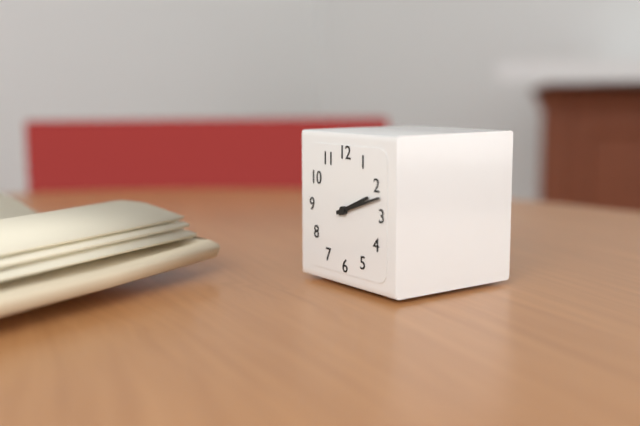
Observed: 2 h 12 min
